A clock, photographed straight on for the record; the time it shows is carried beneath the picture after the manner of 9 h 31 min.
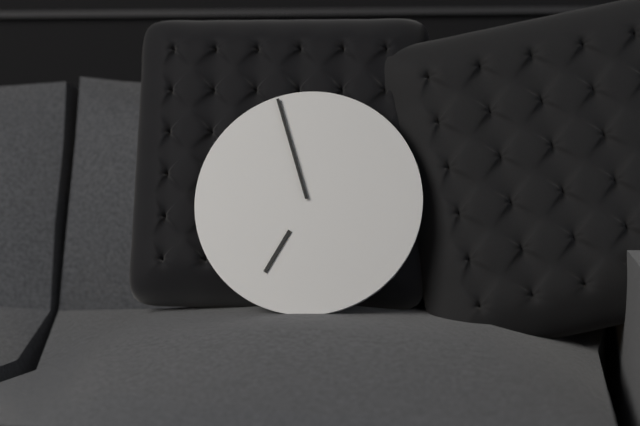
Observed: 6 h 57 min
